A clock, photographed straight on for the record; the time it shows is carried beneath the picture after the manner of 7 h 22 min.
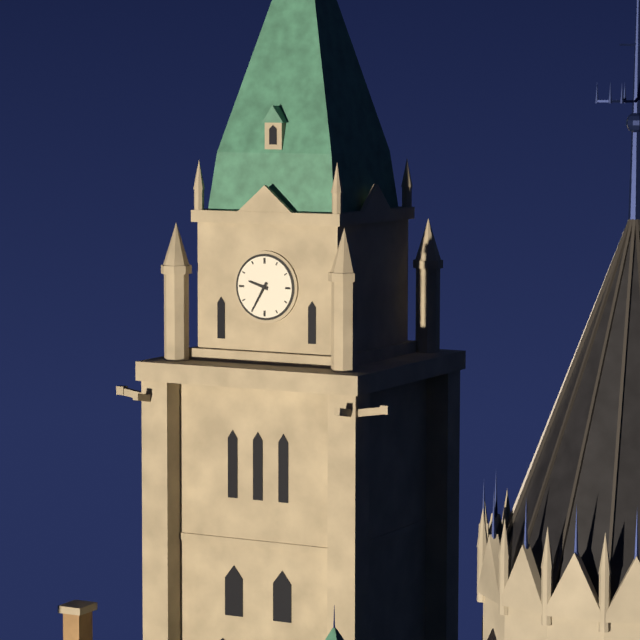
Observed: 9 h 35 min
